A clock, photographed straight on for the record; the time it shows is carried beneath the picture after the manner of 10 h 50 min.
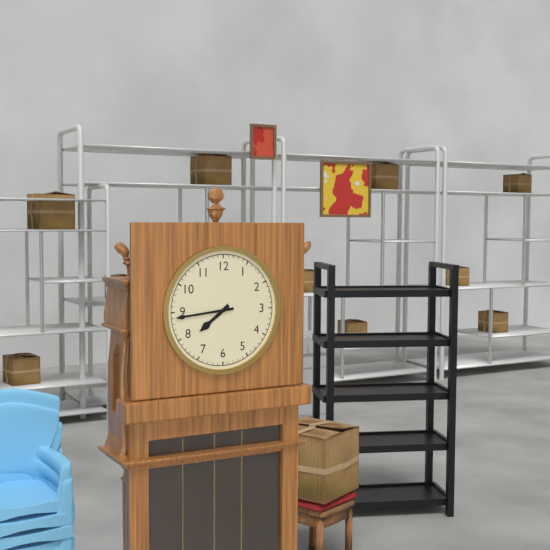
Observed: 7 h 44 min
